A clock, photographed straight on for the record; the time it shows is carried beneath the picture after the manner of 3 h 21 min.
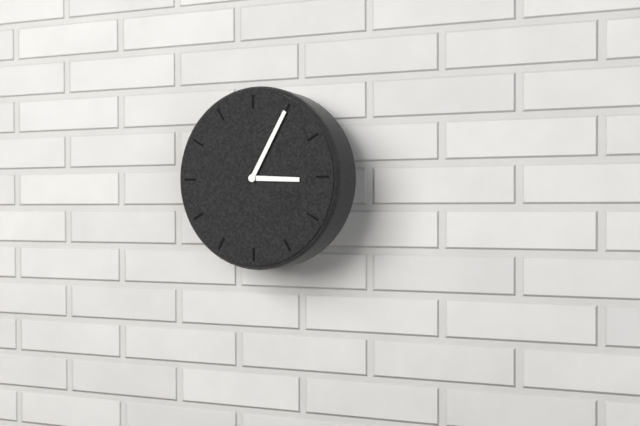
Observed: 3 h 05 min
